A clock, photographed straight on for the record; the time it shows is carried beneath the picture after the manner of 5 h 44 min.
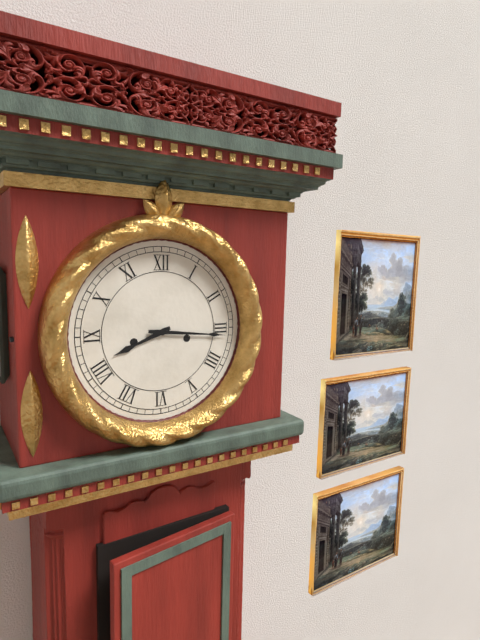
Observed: 8 h 16 min
